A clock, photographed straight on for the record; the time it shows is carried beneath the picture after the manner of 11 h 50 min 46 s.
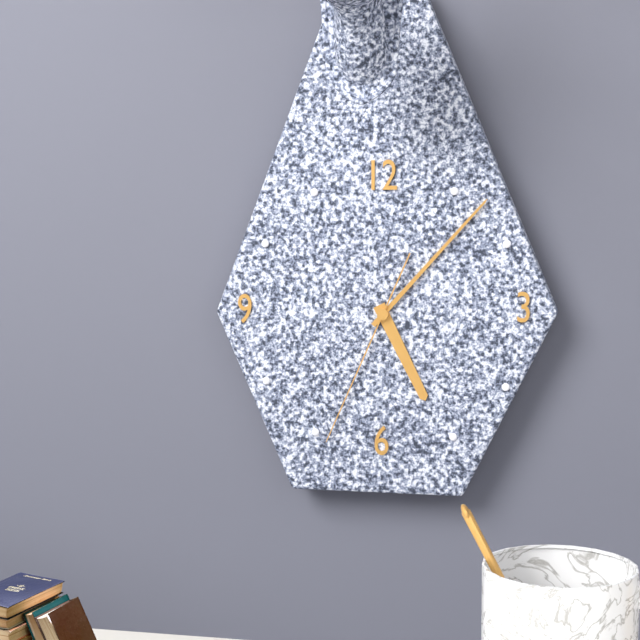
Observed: 5 h 07 min 34 s
